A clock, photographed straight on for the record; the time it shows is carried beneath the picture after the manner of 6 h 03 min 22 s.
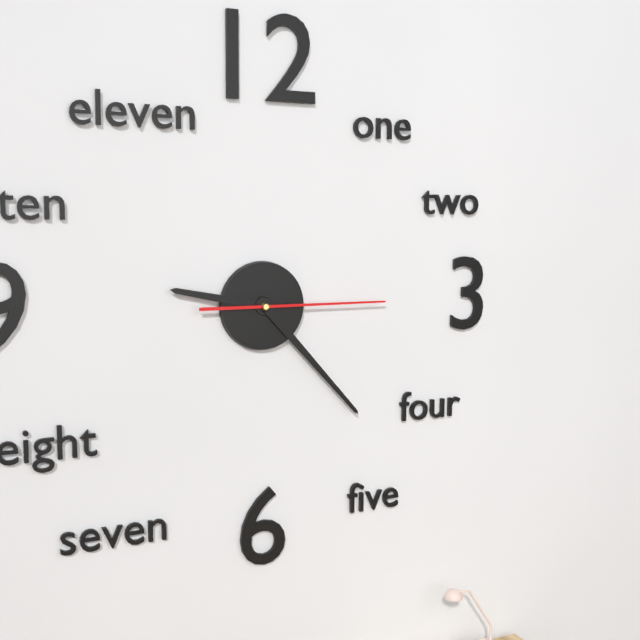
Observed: 9 h 23 min 15 s
